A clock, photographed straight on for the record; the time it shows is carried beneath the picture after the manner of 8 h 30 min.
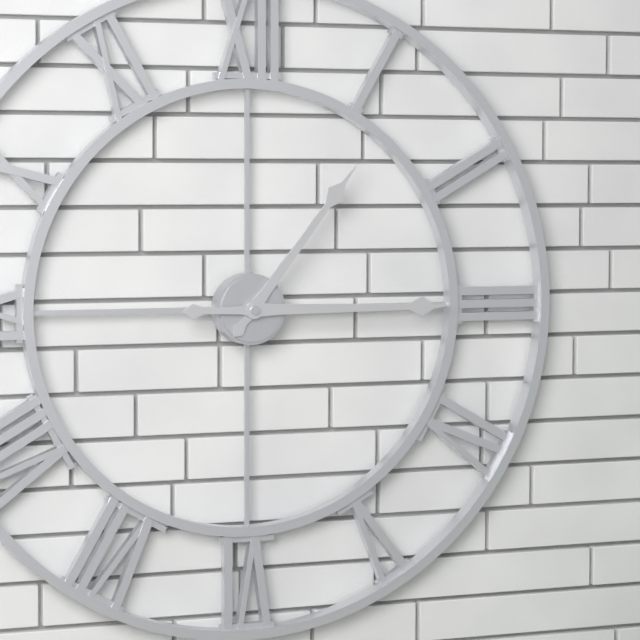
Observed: 1 h 15 min
